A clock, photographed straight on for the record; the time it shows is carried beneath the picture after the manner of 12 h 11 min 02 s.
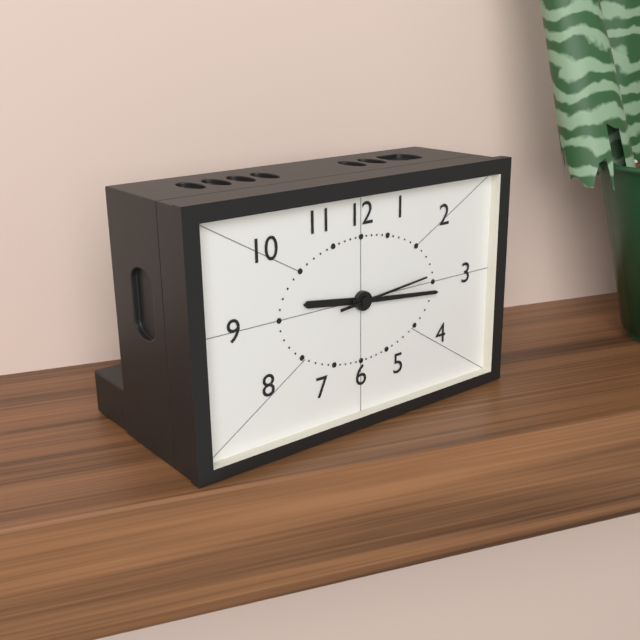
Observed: 9 h 16 min 14 s
